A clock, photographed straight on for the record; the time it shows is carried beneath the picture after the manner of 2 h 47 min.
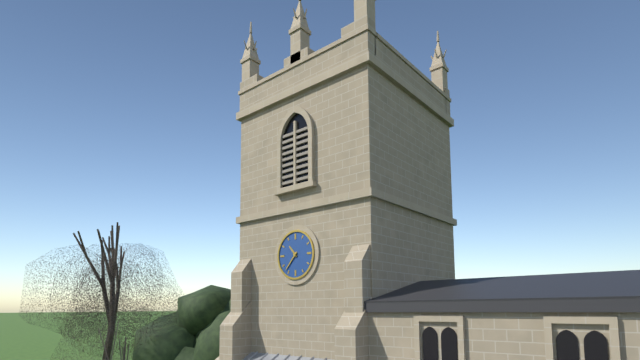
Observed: 10 h 37 min
